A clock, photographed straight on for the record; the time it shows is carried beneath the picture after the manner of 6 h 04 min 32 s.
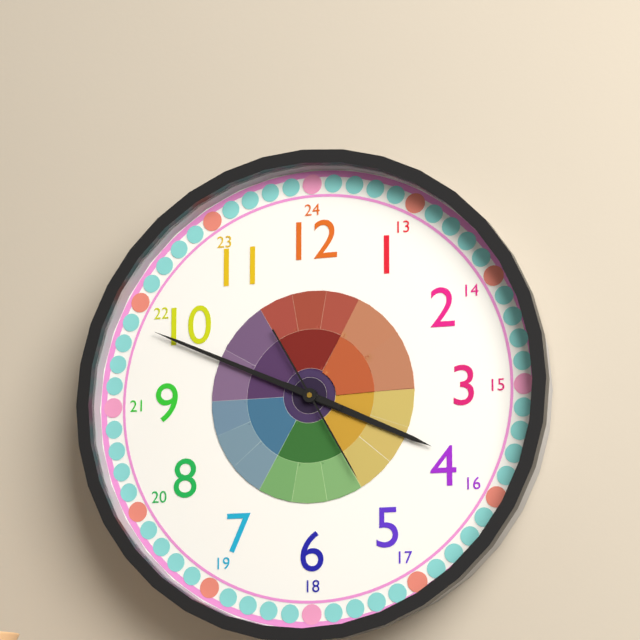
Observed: 3 h 49 min 25 s
